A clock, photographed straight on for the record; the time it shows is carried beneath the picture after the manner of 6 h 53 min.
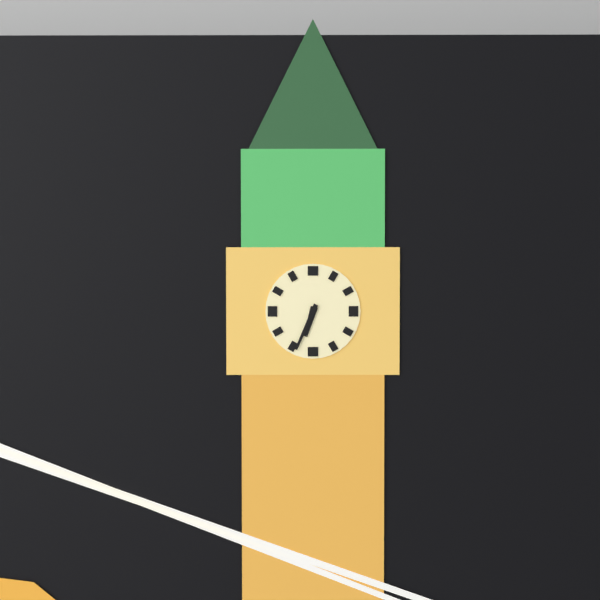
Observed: 6 h 34 min
